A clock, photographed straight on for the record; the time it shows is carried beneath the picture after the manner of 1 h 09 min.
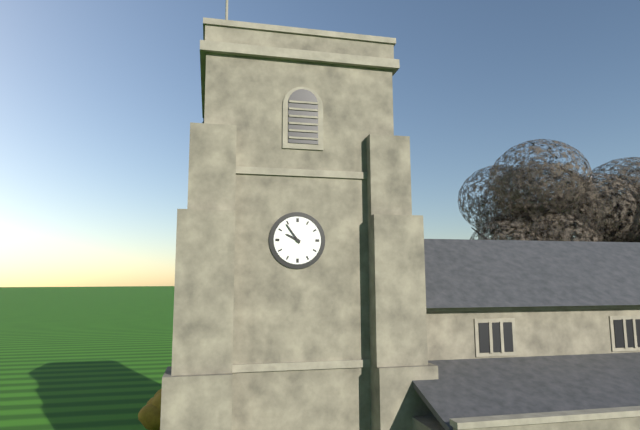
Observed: 9 h 54 min
